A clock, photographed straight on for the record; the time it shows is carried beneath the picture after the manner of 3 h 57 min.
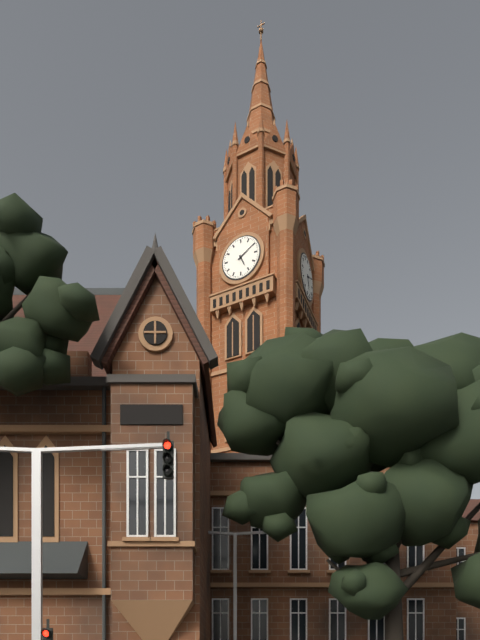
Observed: 5 h 10 min
